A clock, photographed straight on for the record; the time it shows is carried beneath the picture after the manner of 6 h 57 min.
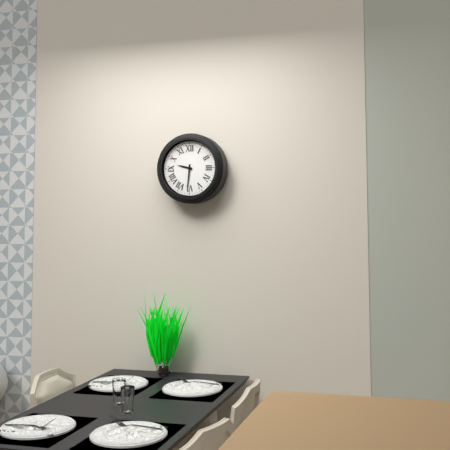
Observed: 9 h 31 min
